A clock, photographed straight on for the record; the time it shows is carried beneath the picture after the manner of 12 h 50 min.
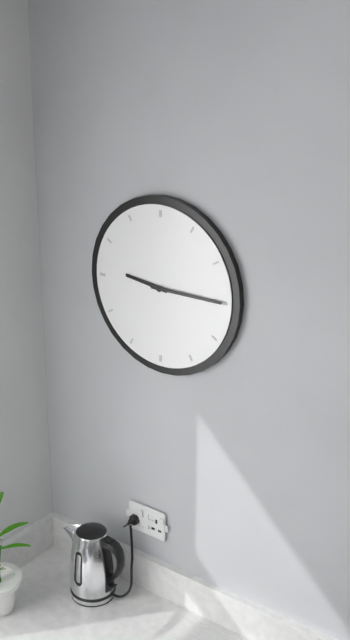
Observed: 9 h 15 min
